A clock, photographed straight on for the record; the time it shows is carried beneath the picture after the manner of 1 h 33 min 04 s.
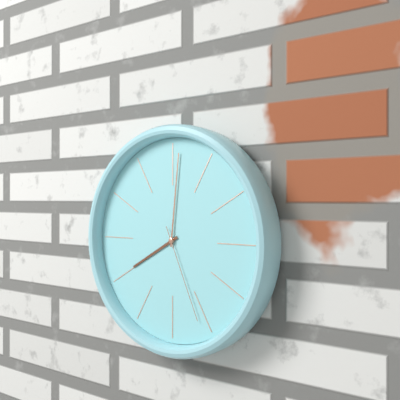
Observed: 8 h 01 min 26 s
